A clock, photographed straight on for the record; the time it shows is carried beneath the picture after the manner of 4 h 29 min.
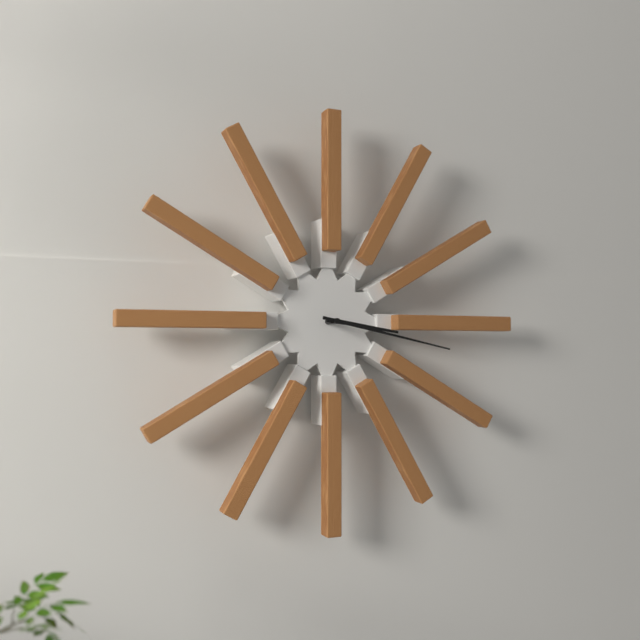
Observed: 3 h 17 min
